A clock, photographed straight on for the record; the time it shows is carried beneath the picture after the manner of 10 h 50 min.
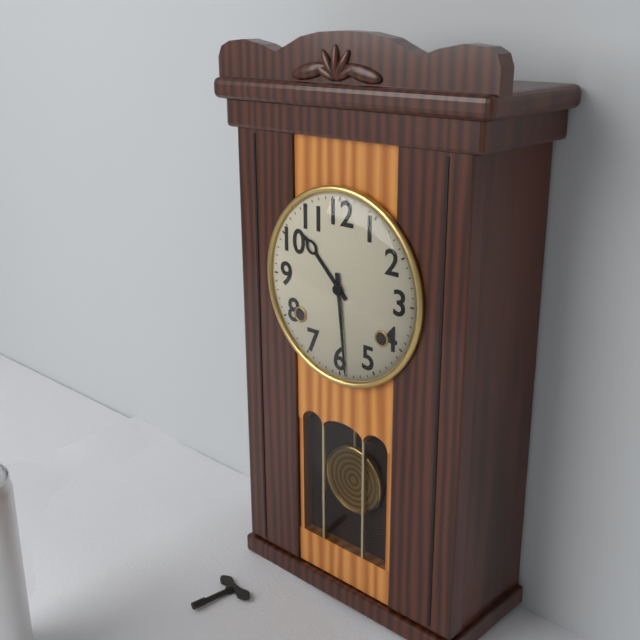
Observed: 10 h 29 min
